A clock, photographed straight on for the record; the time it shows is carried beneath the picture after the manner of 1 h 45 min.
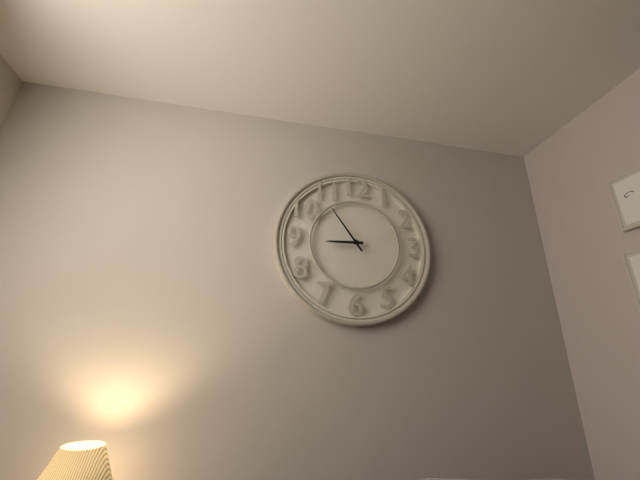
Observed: 8 h 54 min
